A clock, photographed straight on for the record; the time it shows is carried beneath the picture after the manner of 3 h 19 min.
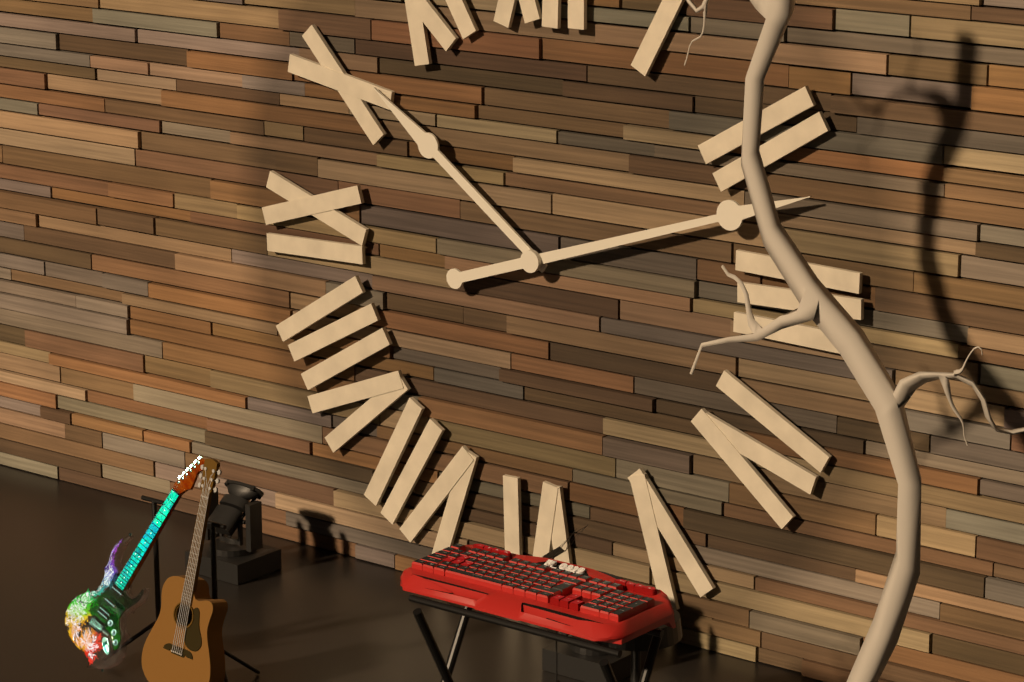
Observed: 10 h 12 min
